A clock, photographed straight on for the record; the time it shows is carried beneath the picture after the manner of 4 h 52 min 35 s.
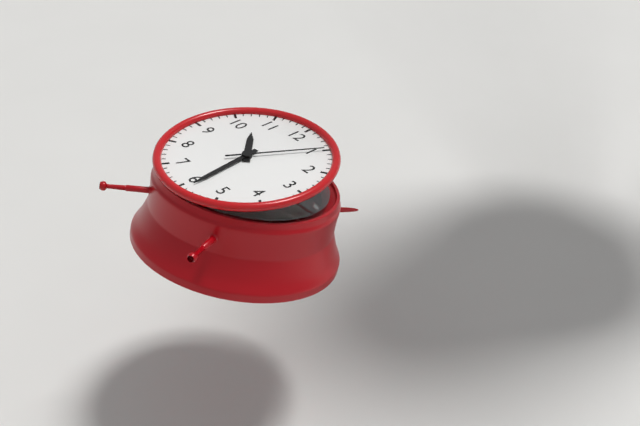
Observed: 10 h 29 min 05 s
